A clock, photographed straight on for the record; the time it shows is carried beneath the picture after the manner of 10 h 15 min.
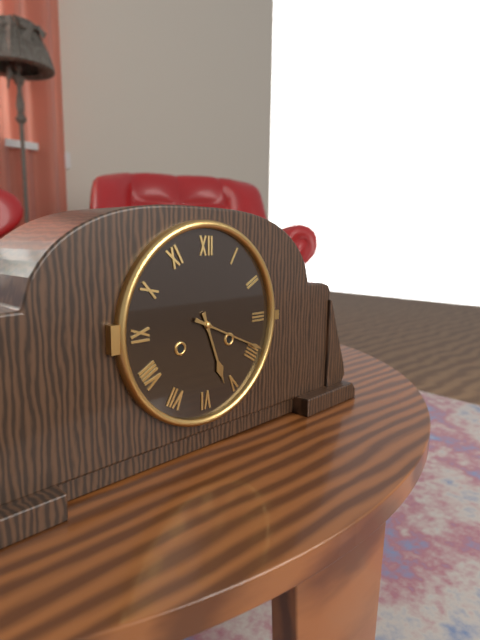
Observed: 5 h 19 min
